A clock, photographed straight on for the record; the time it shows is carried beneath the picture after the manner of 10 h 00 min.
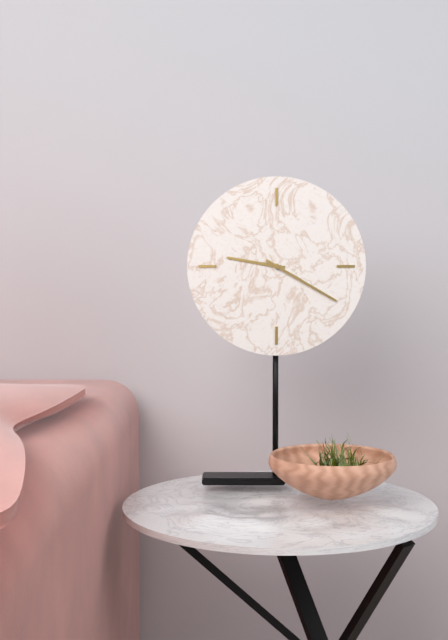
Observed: 9 h 20 min
